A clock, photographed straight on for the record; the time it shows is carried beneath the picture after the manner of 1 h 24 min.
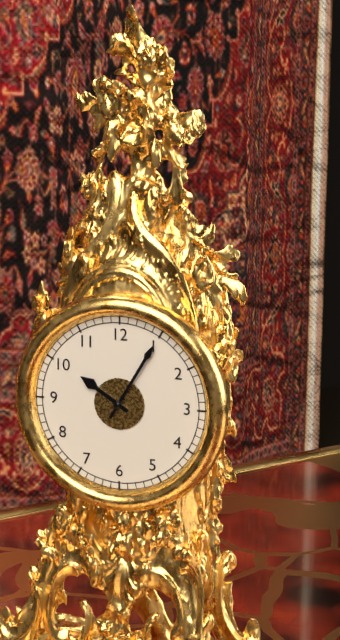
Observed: 10 h 05 min
